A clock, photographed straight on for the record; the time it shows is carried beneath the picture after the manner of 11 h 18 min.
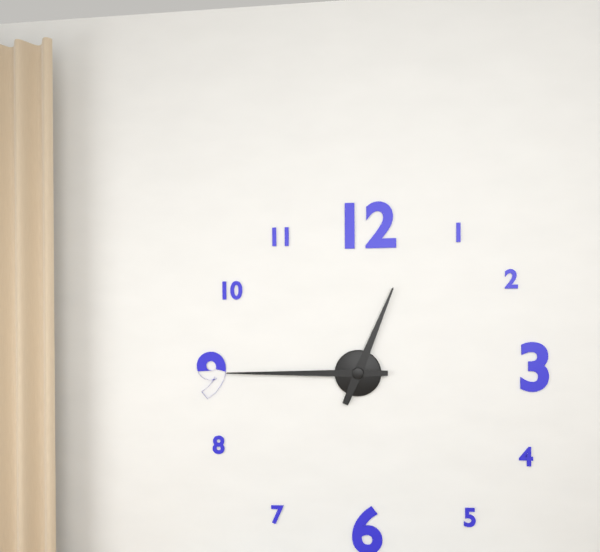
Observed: 12 h 45 min
